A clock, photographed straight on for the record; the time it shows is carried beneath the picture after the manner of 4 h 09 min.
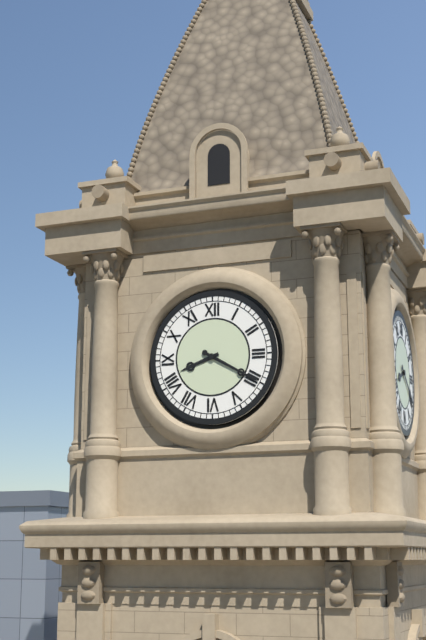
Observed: 8 h 20 min
